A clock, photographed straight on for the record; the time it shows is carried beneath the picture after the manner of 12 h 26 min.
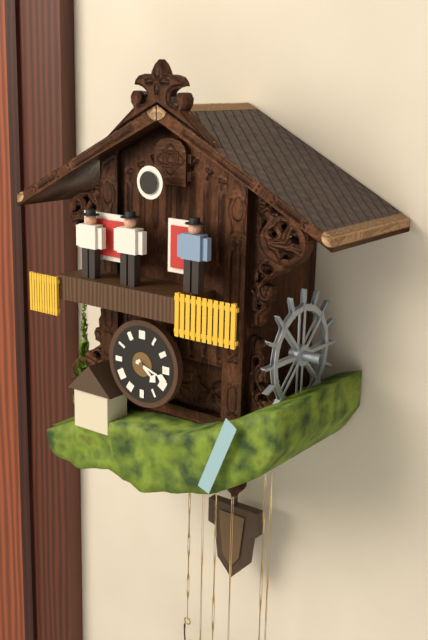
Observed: 4 h 18 min
